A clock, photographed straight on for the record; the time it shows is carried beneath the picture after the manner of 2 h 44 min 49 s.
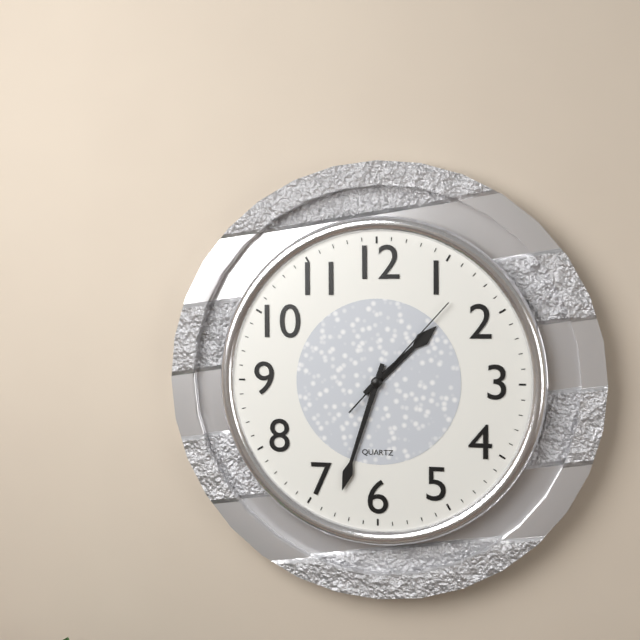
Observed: 1 h 33 min 07 s
